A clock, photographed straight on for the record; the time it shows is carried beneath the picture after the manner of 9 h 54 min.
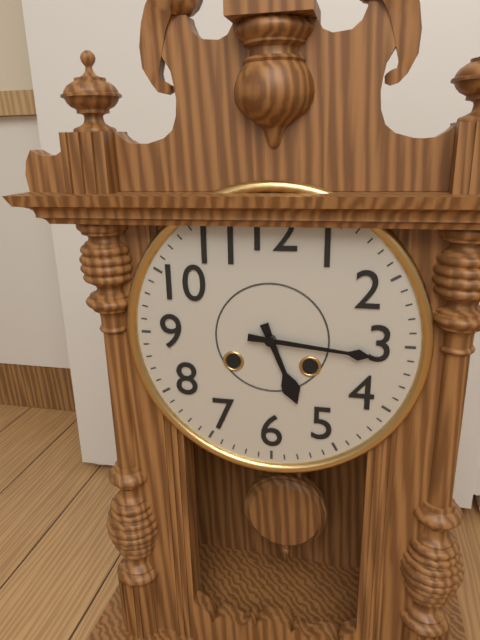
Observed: 5 h 16 min
